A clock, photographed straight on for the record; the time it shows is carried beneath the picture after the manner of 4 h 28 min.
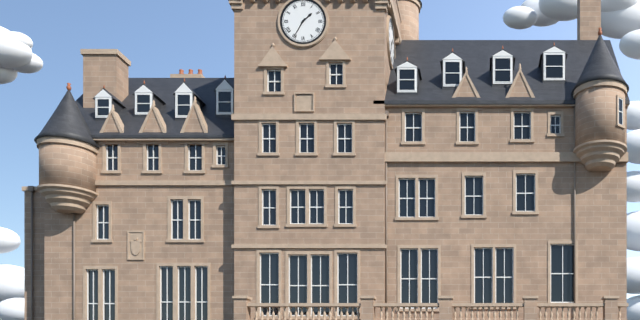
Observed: 1 h 35 min
